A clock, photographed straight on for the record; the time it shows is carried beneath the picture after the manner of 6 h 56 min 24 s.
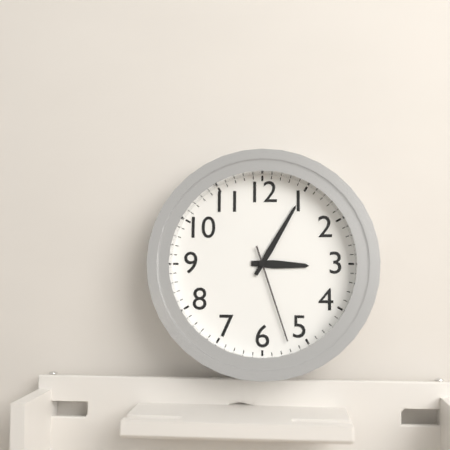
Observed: 3 h 05 min 27 s
